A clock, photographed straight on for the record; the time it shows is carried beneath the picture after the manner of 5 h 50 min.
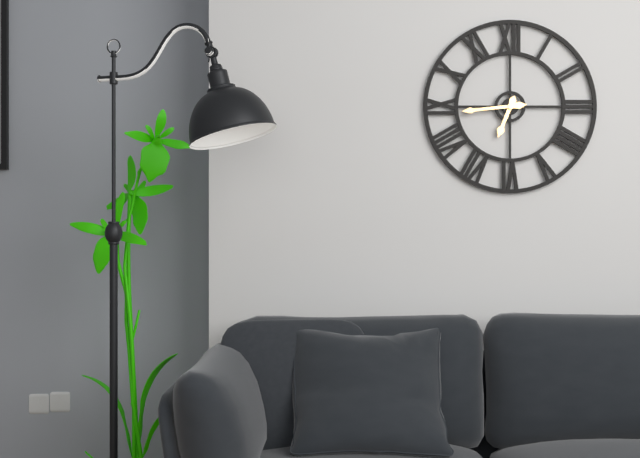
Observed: 6 h 44 min
